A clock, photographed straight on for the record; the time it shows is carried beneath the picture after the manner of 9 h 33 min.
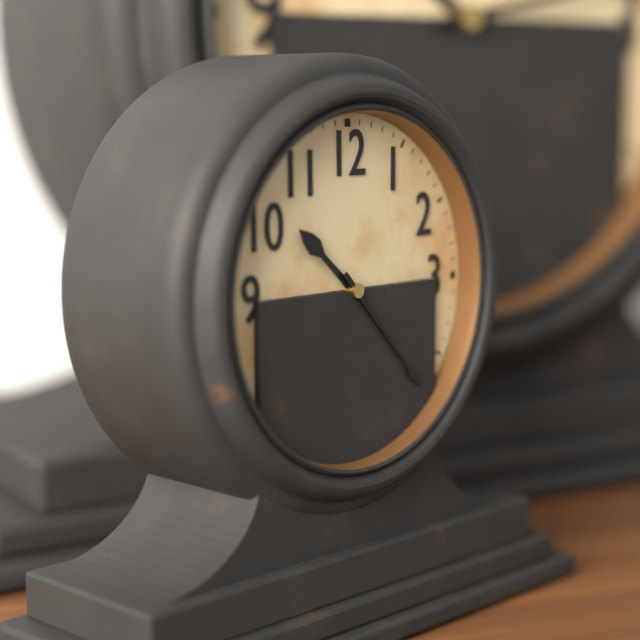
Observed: 10 h 23 min
